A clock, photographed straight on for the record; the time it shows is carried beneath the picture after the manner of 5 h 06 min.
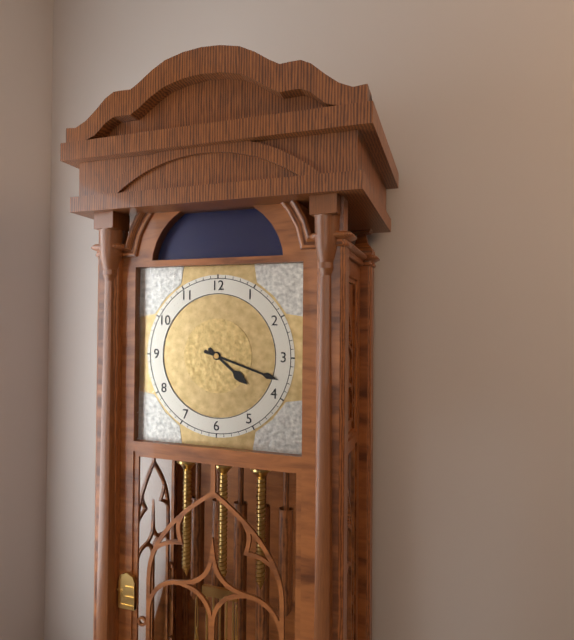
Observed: 4 h 18 min
